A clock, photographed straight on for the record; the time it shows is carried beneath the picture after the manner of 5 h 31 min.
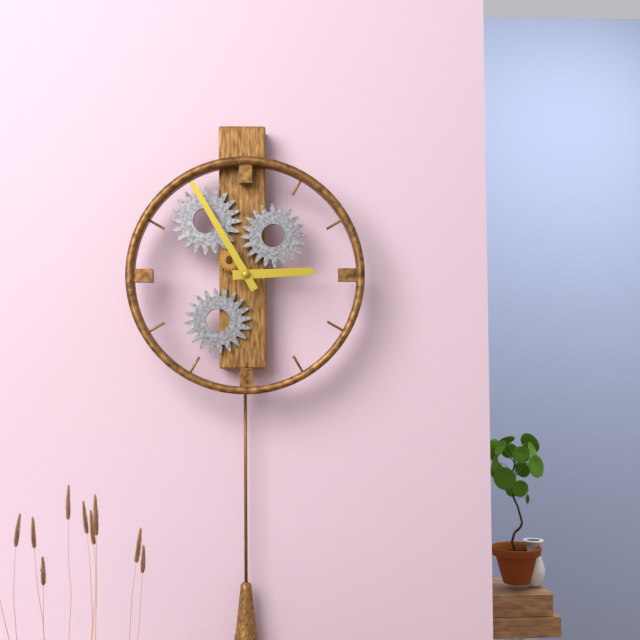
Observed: 2 h 55 min
